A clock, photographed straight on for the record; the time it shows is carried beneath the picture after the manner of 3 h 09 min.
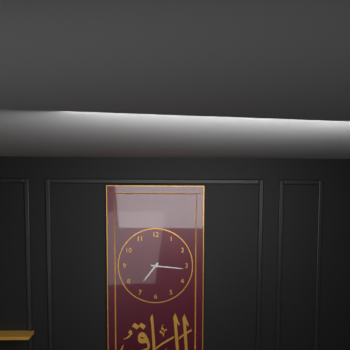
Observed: 7 h 16 min
